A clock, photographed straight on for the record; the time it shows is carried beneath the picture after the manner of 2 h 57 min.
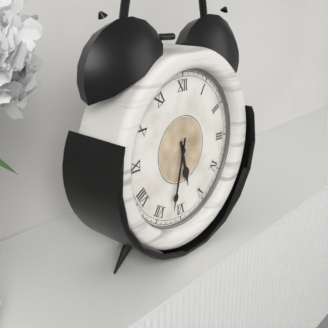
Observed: 5 h 32 min
